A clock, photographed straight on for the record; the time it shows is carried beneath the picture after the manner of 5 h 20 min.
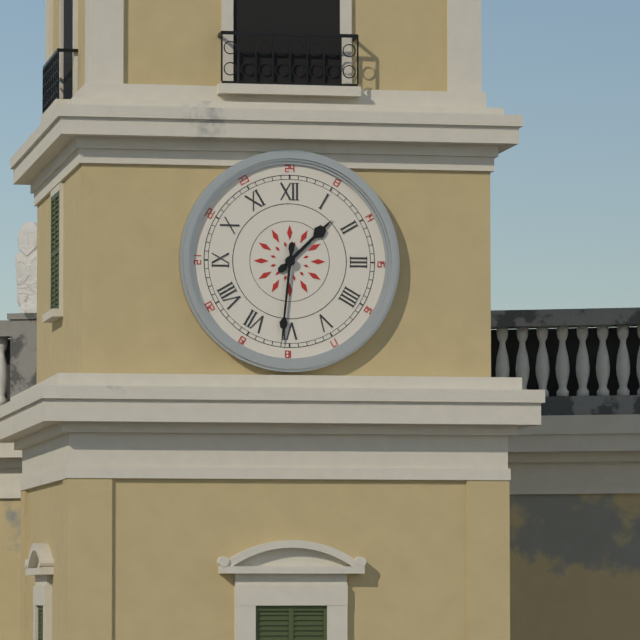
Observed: 1 h 31 min
